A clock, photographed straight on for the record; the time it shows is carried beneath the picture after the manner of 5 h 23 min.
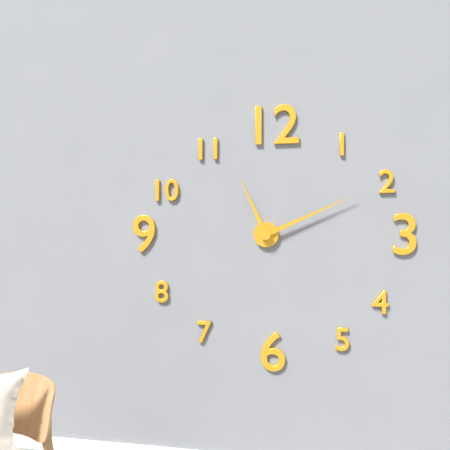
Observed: 11 h 11 min
